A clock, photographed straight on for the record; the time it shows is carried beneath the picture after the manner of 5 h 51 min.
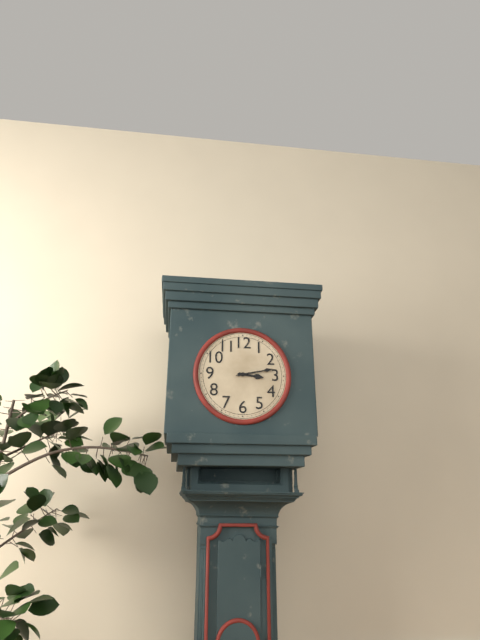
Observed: 3 h 13 min
